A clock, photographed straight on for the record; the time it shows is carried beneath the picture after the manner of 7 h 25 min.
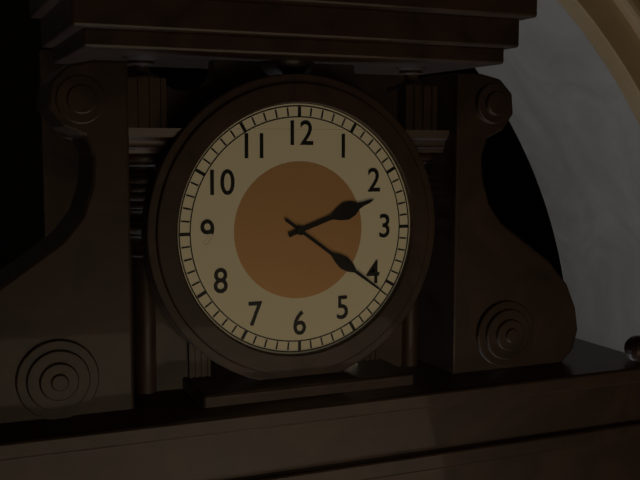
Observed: 2 h 21 min
